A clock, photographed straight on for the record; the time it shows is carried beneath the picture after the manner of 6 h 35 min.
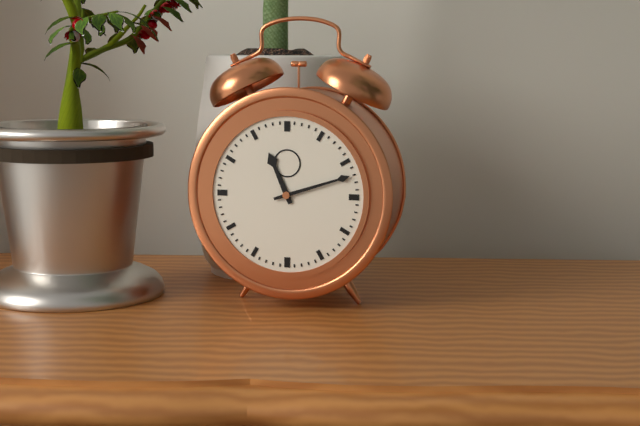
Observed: 11 h 12 min
